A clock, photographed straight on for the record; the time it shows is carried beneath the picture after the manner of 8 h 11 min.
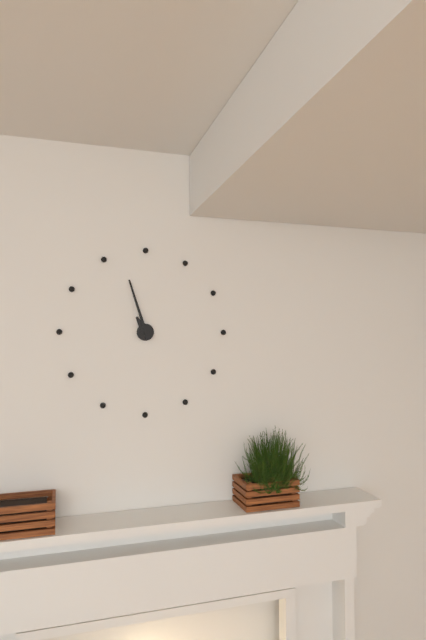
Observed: 10 h 57 min
